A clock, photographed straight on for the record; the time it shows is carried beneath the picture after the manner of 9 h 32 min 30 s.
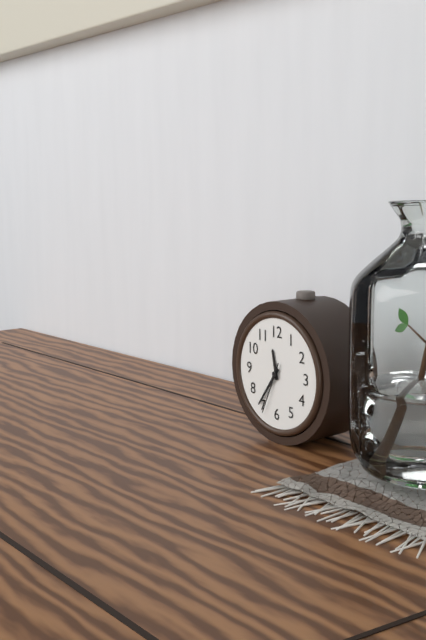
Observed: 11 h 36 min 34 s
